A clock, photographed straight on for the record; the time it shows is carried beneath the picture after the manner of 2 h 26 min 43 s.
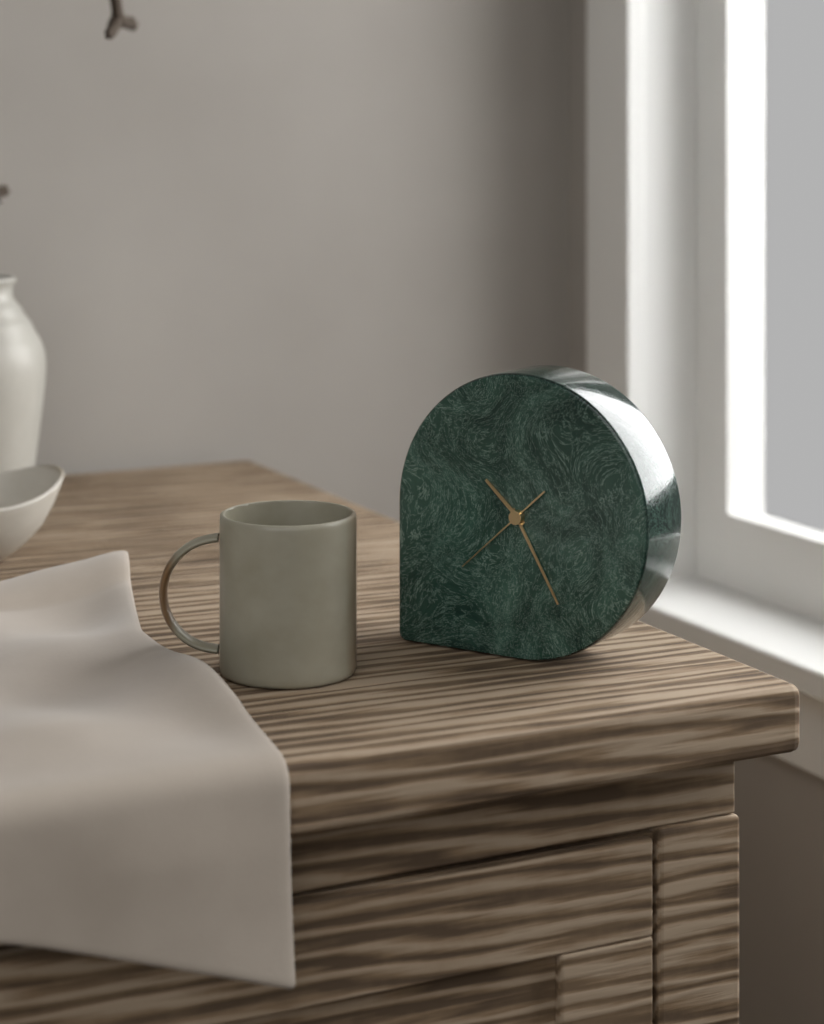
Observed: 10 h 25 min 38 s
